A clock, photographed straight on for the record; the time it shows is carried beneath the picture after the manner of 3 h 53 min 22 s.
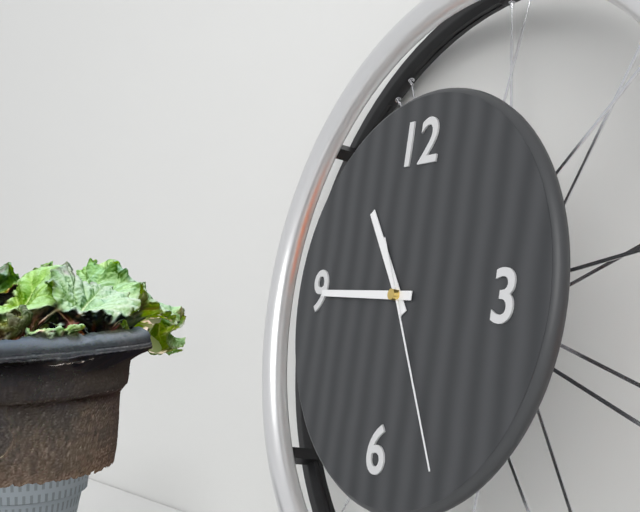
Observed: 10 h 45 min 25 s
